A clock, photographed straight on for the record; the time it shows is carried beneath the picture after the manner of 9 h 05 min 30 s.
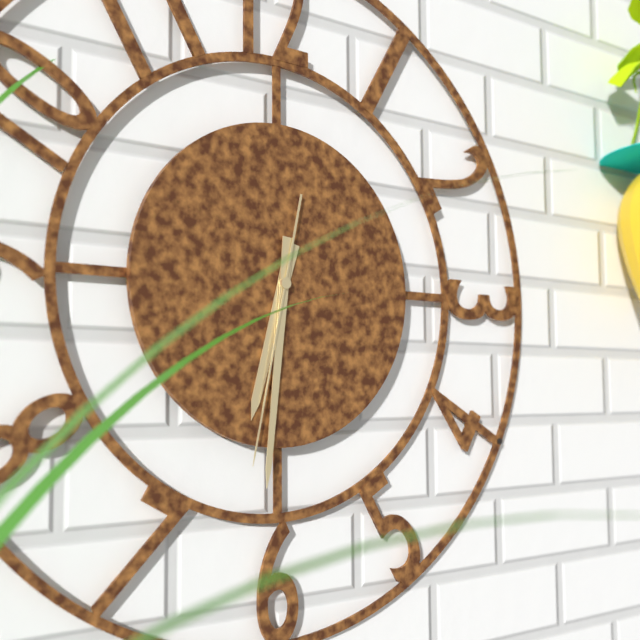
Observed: 6 h 31 min 32 s
